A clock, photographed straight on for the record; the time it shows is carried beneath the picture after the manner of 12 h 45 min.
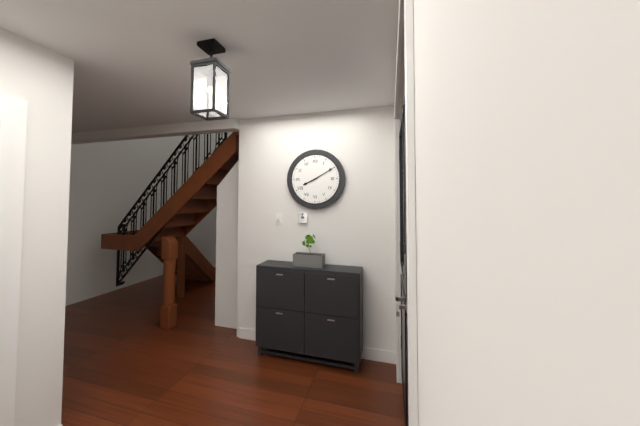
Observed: 8 h 10 min
